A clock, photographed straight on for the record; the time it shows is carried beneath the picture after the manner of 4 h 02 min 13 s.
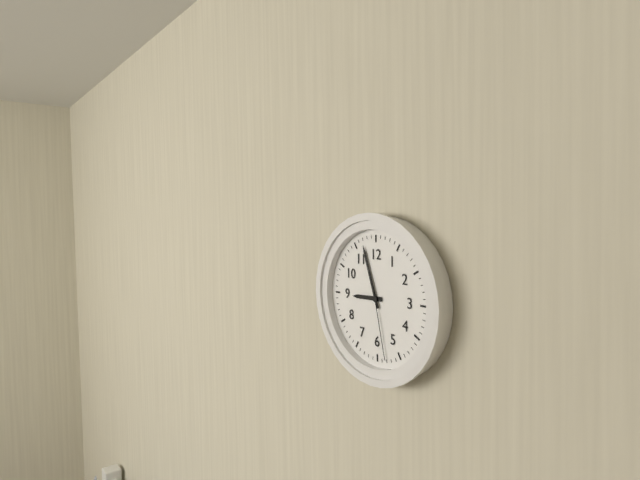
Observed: 8 h 57 min 28 s
